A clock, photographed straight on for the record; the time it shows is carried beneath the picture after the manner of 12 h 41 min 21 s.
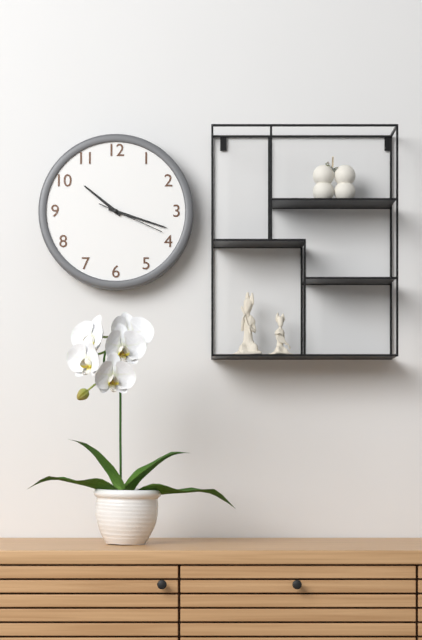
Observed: 10 h 18 min 19 s
